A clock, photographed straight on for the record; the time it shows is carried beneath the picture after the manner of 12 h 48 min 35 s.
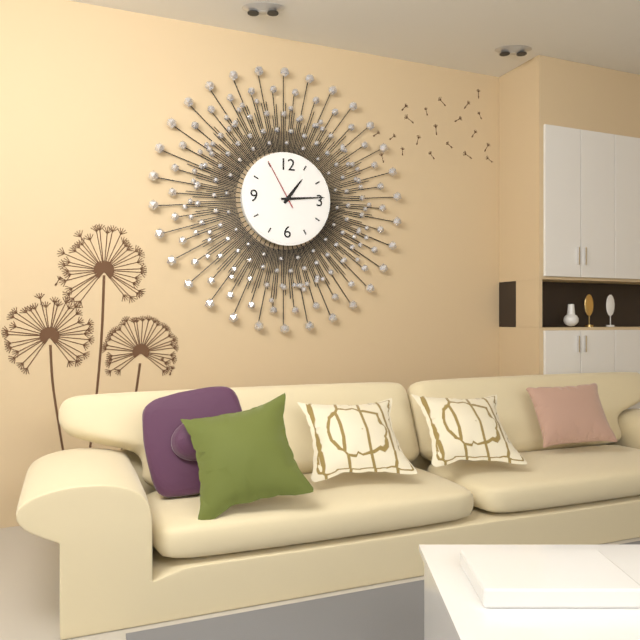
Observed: 1 h 14 min 55 s
